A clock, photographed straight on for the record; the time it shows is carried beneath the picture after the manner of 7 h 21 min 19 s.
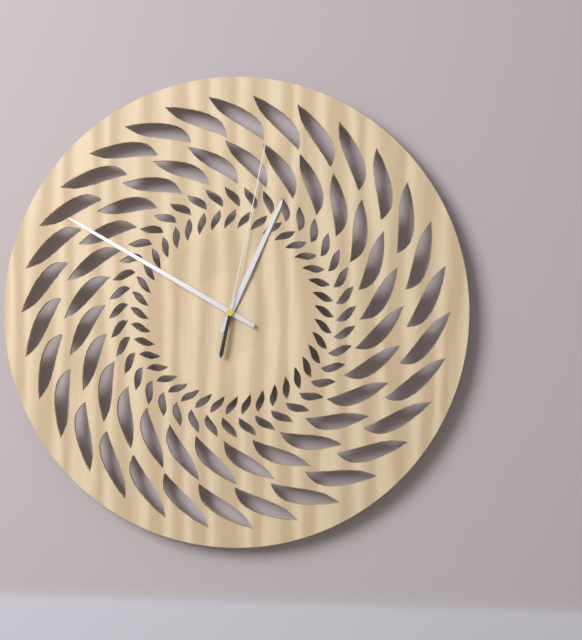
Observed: 12 h 50 min 02 s
